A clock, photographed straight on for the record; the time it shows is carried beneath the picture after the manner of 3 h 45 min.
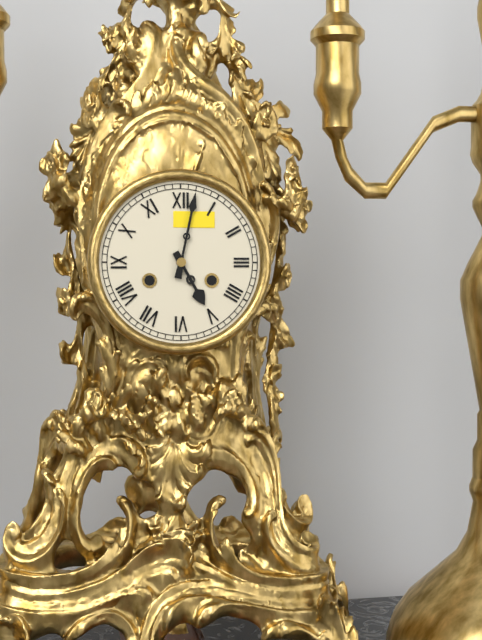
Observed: 5 h 02 min
